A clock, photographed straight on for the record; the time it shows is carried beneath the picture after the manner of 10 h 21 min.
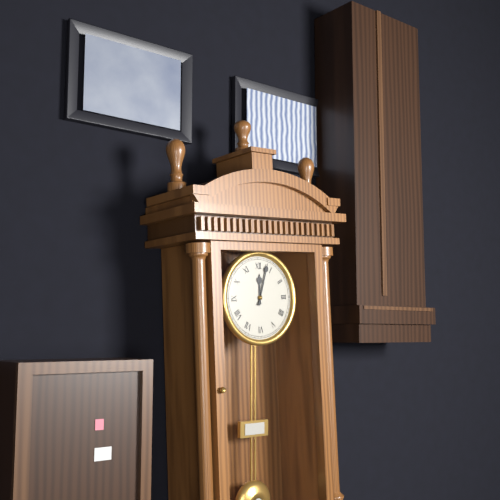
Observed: 12 h 03 min
